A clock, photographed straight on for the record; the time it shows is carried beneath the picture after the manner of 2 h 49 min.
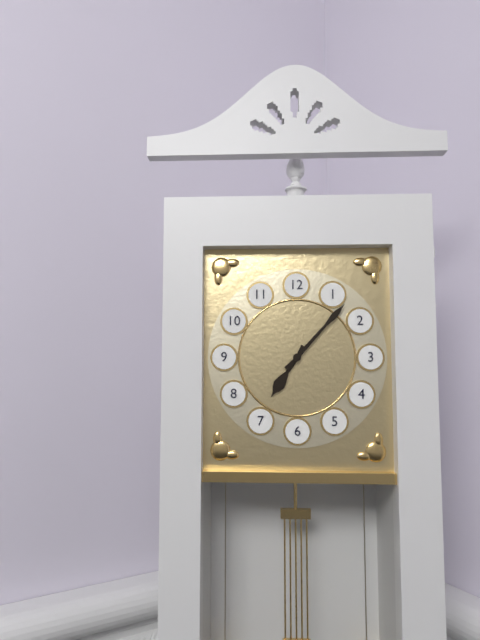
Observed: 7 h 07 min
